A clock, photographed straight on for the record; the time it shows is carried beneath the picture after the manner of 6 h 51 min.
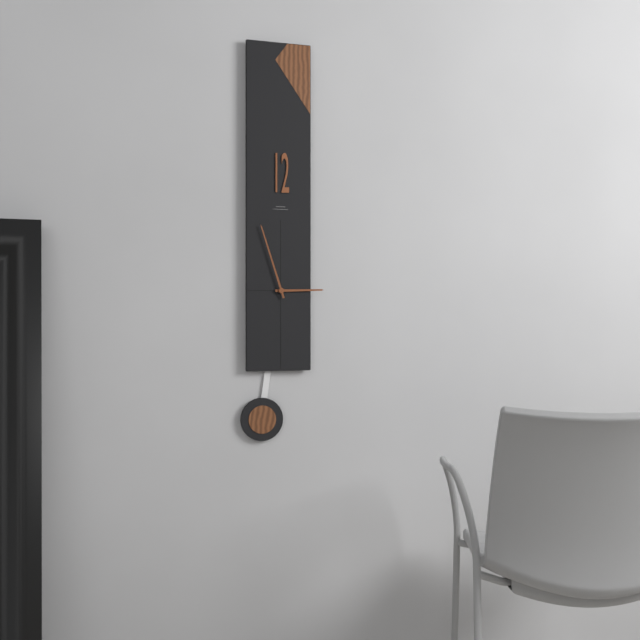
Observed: 2 h 57 min
